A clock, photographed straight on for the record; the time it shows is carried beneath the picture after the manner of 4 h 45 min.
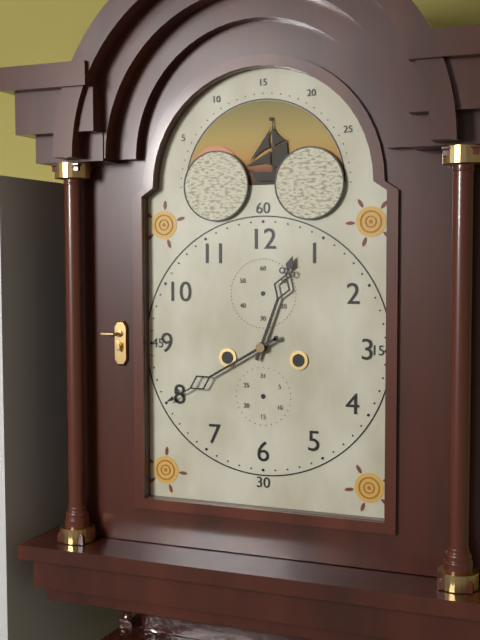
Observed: 12 h 40 min
